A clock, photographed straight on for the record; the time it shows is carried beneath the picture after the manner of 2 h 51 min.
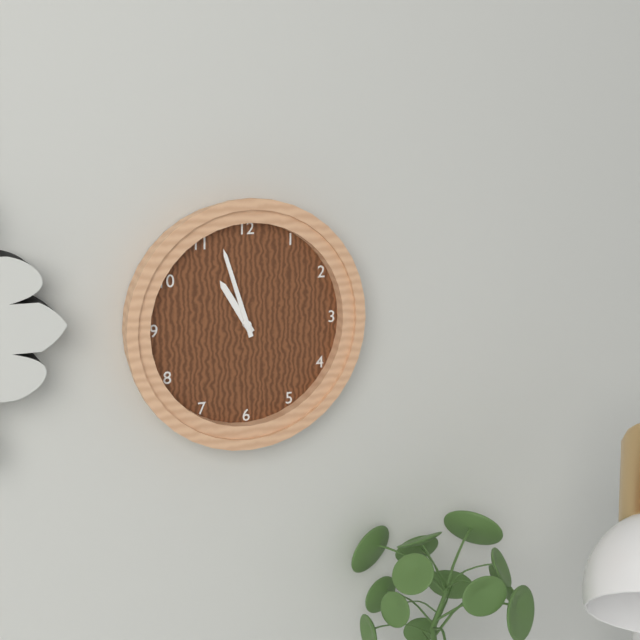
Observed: 10 h 57 min
